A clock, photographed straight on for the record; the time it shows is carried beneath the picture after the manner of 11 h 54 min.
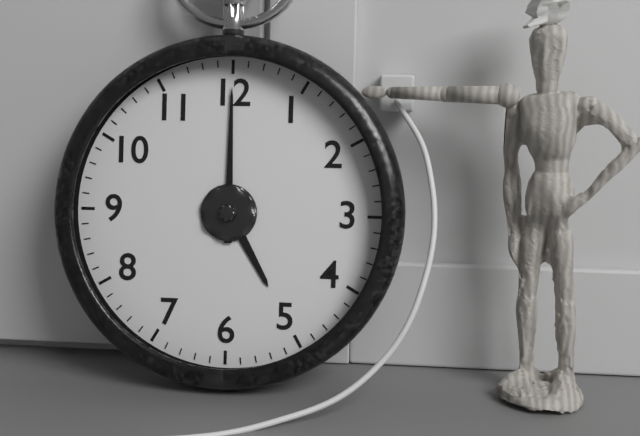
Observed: 5 h 00 min
